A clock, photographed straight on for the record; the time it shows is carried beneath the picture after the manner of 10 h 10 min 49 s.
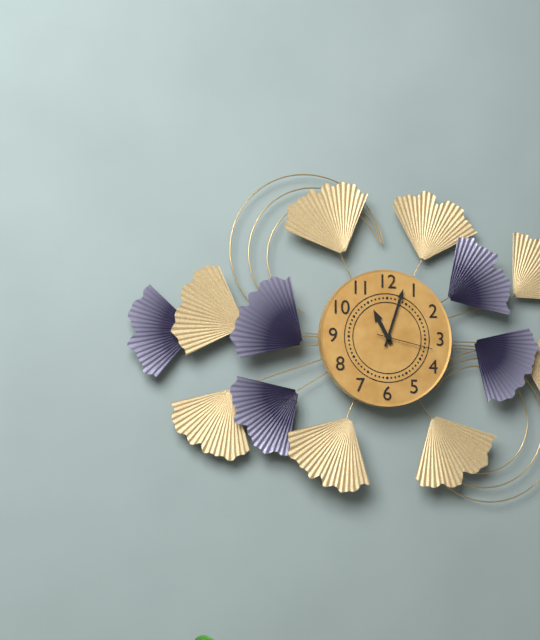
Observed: 11 h 03 min 17 s
